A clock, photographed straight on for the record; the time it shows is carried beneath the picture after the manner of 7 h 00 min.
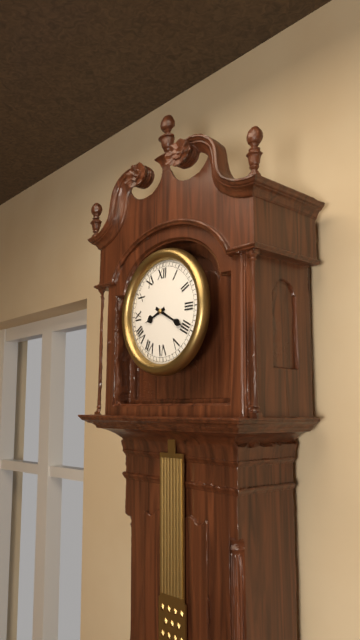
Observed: 8 h 20 min
